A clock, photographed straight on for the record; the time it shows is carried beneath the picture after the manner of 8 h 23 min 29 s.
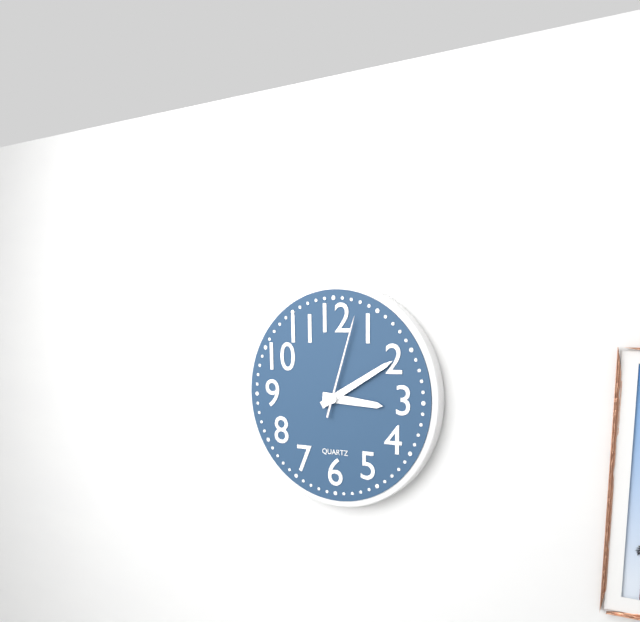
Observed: 3 h 10 min 03 s
